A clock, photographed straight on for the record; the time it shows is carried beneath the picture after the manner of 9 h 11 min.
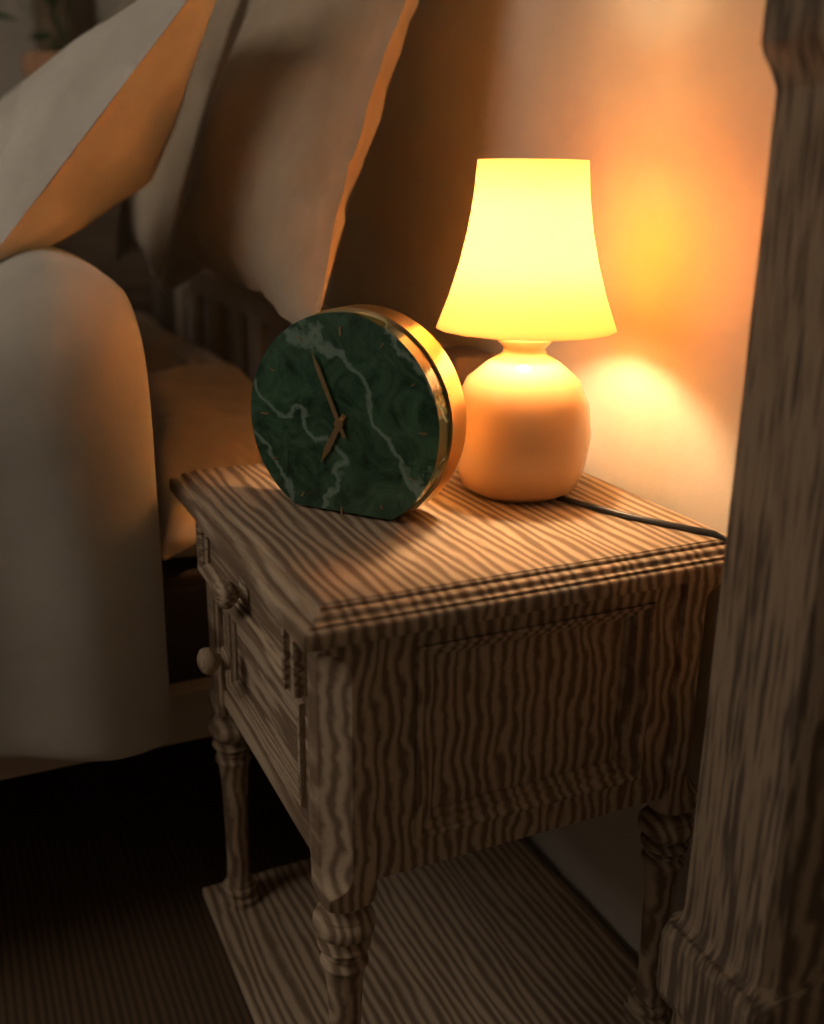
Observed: 6 h 56 min
